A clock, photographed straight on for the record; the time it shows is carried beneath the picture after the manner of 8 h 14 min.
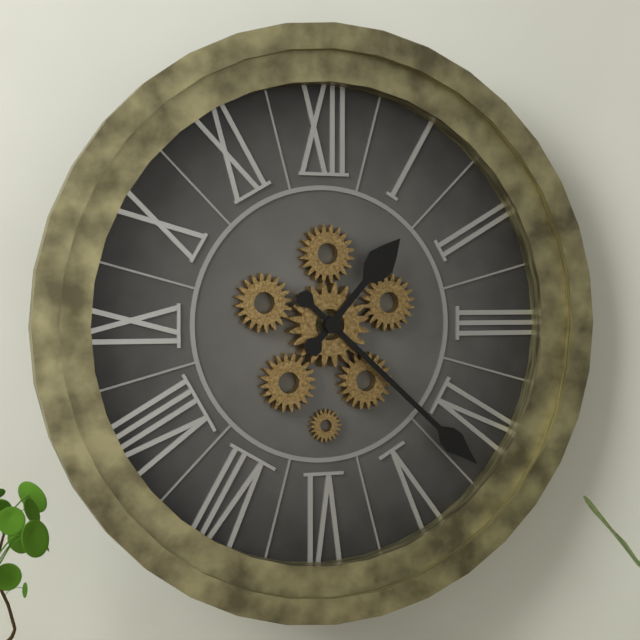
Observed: 1 h 22 min
